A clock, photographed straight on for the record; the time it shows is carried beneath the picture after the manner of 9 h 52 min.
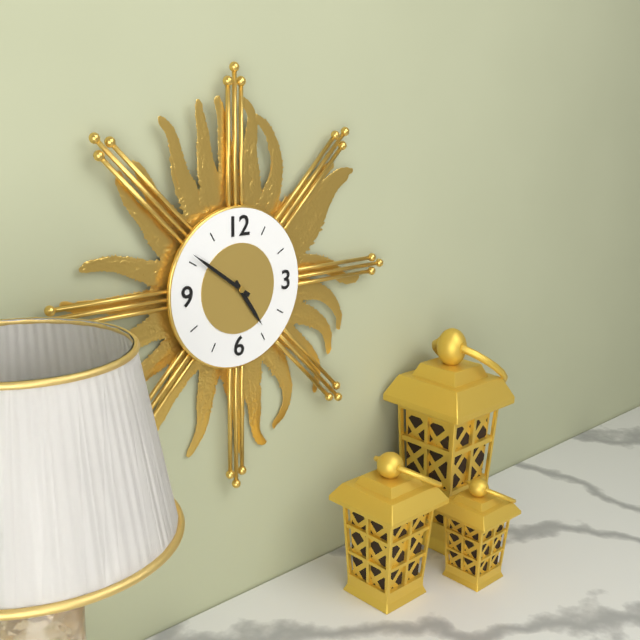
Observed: 4 h 51 min
